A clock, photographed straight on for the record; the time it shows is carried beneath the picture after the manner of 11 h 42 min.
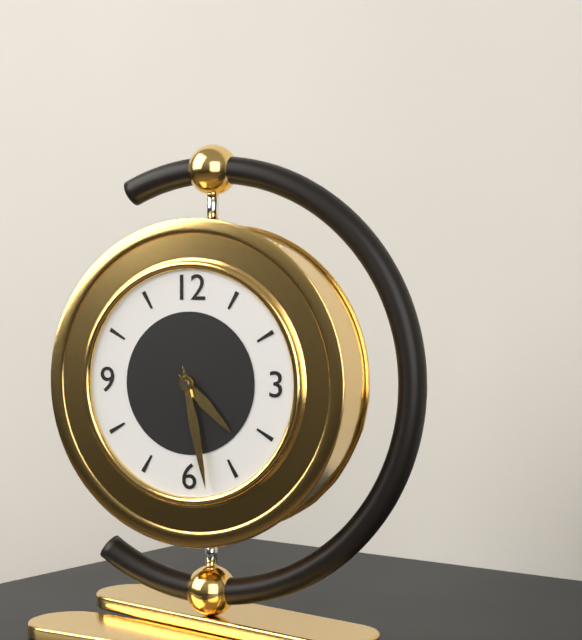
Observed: 4 h 28 min
